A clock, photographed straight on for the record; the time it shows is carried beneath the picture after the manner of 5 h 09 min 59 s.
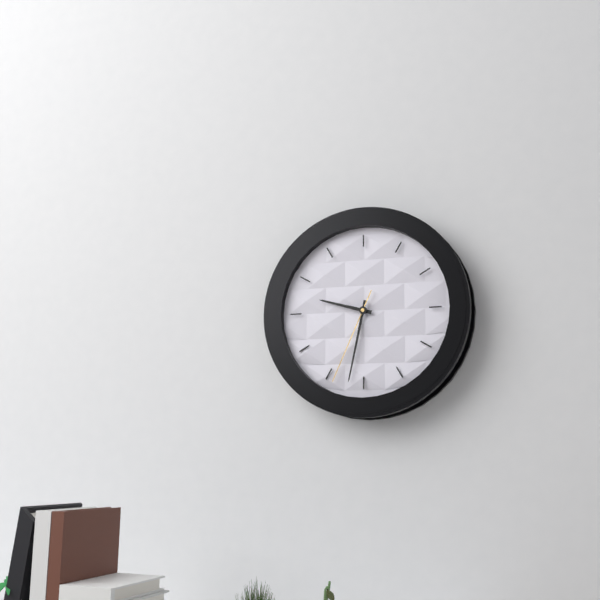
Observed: 9 h 32 min 34 s
